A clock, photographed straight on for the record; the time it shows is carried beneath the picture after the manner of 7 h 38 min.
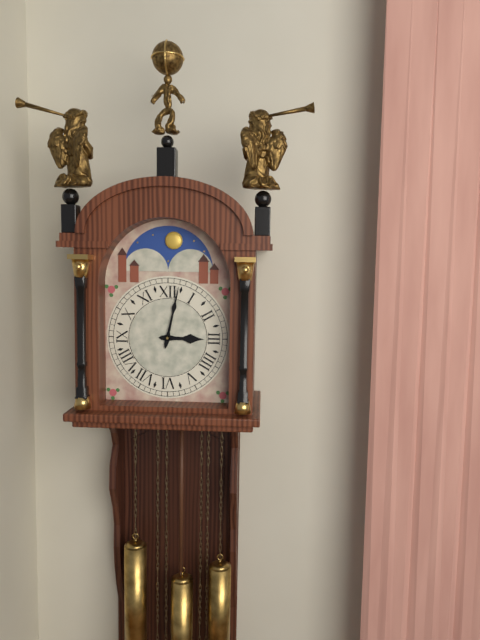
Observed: 3 h 02 min
